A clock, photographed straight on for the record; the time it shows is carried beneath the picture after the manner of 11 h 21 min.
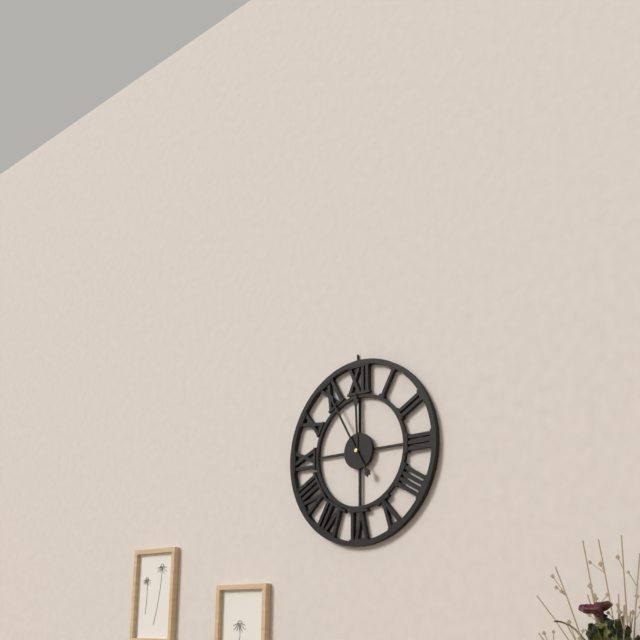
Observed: 11 h 55 min
